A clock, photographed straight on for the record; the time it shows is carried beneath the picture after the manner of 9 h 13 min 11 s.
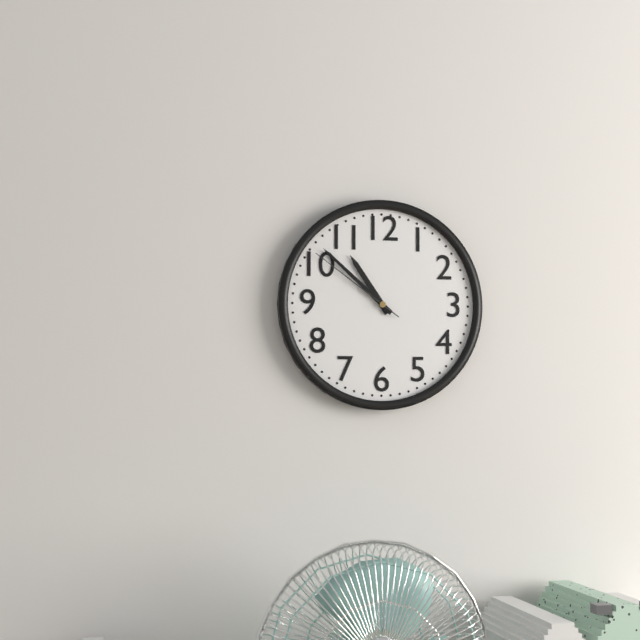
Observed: 10 h 52 min 51 s
